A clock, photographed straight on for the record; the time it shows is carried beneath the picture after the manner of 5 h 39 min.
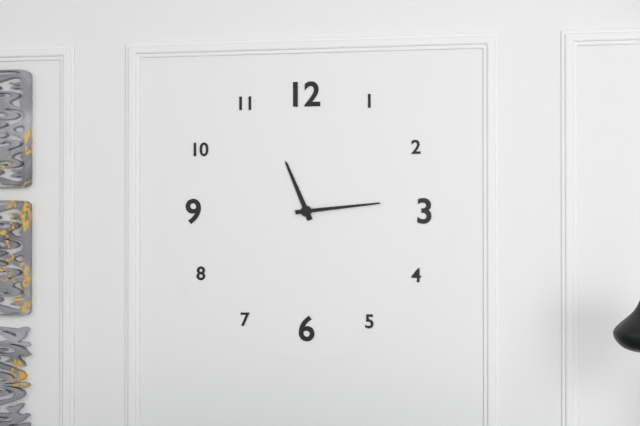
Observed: 11 h 14 min
